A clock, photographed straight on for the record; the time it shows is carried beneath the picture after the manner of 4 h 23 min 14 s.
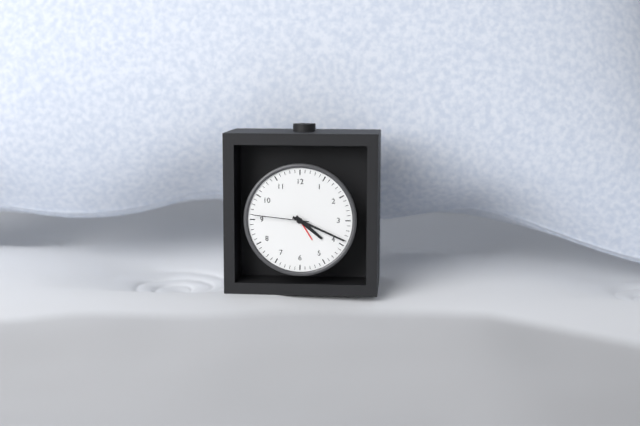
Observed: 4 h 19 min 46 s
